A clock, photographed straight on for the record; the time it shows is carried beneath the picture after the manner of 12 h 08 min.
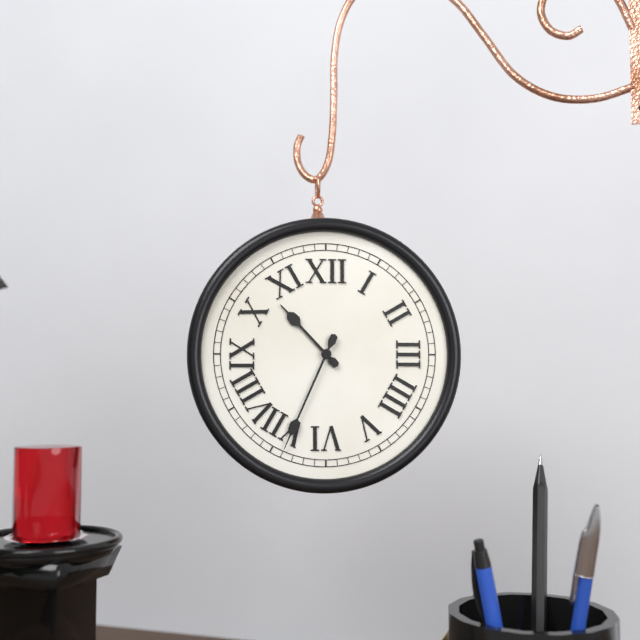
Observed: 10 h 34 min
